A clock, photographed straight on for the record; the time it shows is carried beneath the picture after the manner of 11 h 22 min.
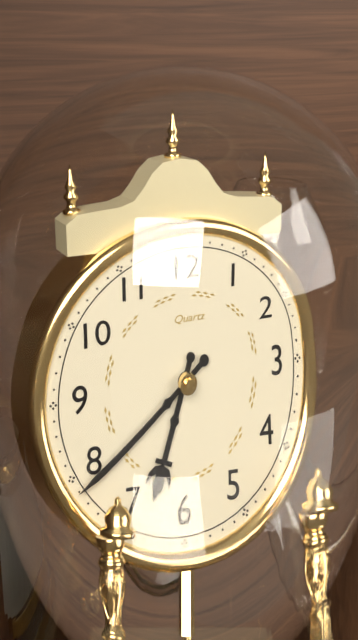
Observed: 6 h 39 min
